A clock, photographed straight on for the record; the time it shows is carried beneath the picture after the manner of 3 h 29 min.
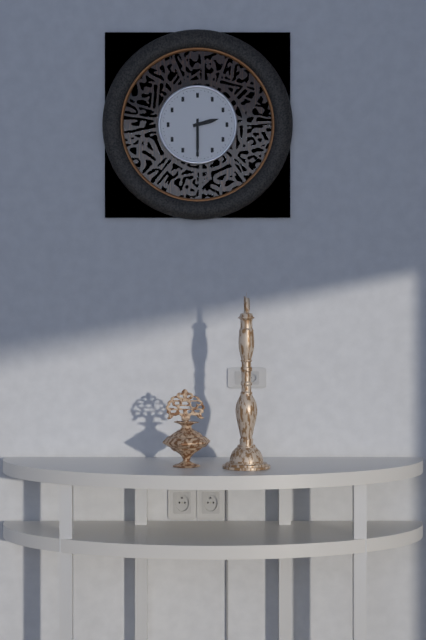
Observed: 2 h 30 min
